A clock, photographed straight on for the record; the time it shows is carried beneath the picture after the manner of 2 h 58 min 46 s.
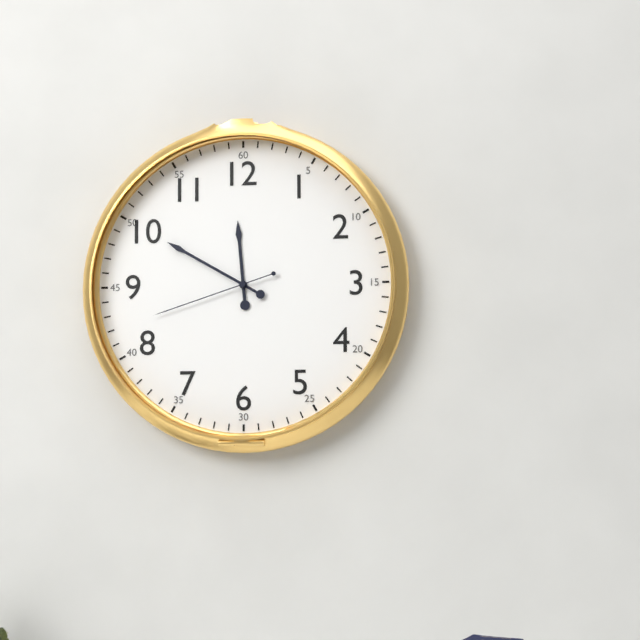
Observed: 11 h 50 min 42 s
